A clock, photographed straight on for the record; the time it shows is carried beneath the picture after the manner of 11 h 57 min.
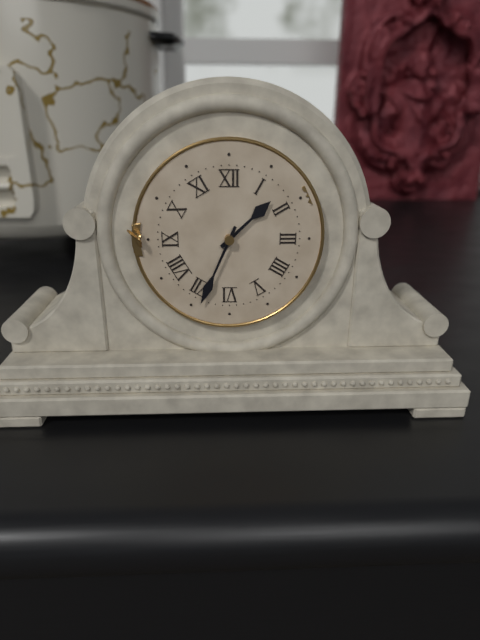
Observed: 1 h 34 min
